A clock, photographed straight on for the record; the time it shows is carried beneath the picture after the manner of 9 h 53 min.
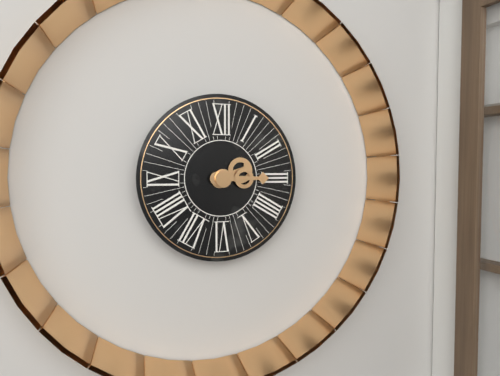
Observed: 2 h 15 min
